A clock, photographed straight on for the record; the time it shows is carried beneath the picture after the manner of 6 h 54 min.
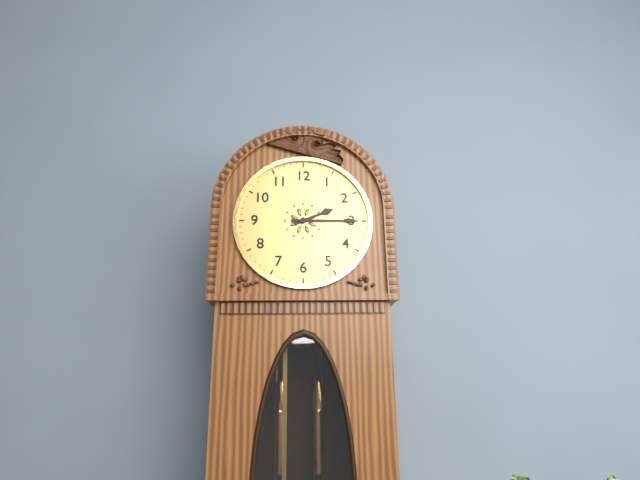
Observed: 2 h 15 min
